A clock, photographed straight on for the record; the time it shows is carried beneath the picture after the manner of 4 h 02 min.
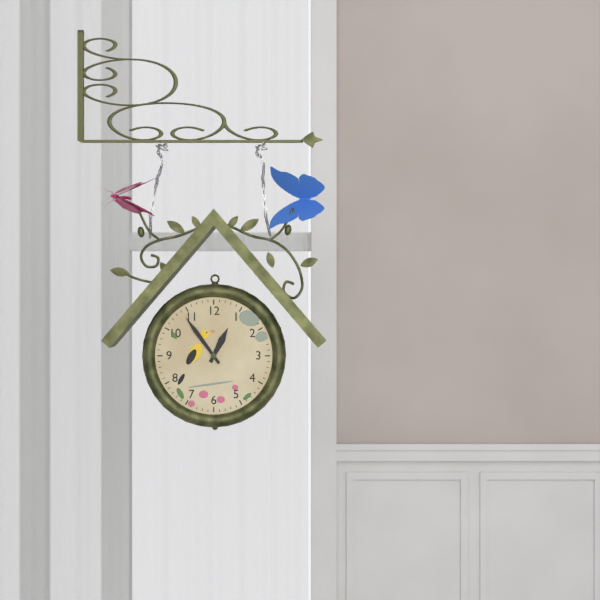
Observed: 12 h 54 min
